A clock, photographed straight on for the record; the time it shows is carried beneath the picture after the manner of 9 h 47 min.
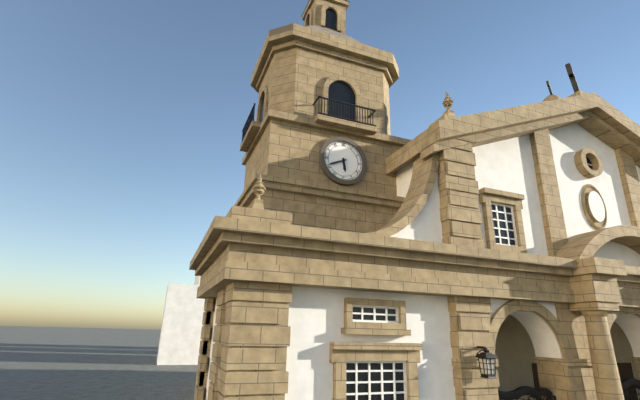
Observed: 5 h 41 min
